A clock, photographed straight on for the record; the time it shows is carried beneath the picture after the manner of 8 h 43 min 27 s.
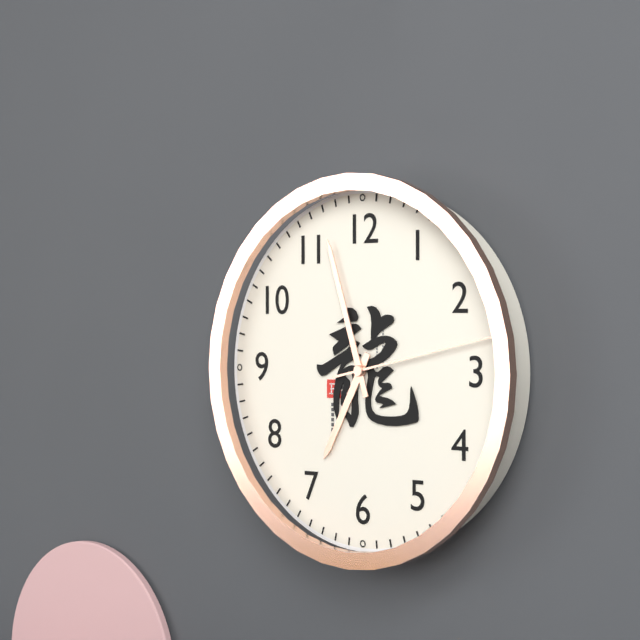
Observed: 6 h 57 min 13 s
